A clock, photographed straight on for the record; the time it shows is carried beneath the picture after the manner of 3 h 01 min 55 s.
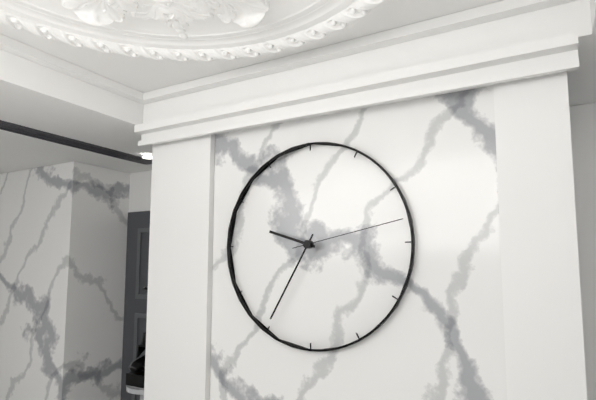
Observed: 9 h 35 min 13 s
